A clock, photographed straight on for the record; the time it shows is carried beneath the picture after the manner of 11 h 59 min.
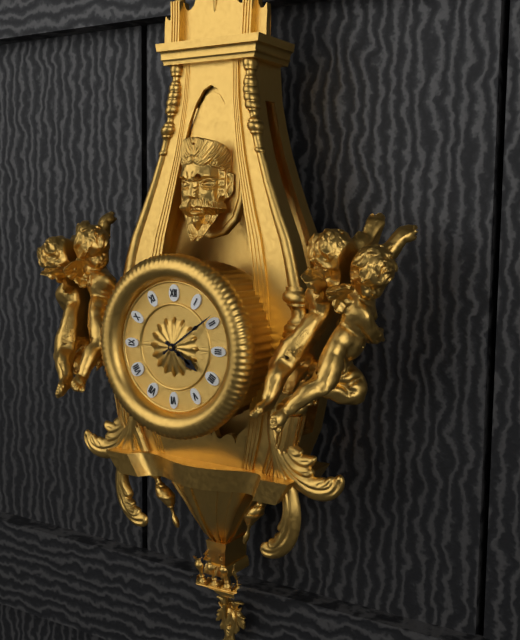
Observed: 4 h 09 min
